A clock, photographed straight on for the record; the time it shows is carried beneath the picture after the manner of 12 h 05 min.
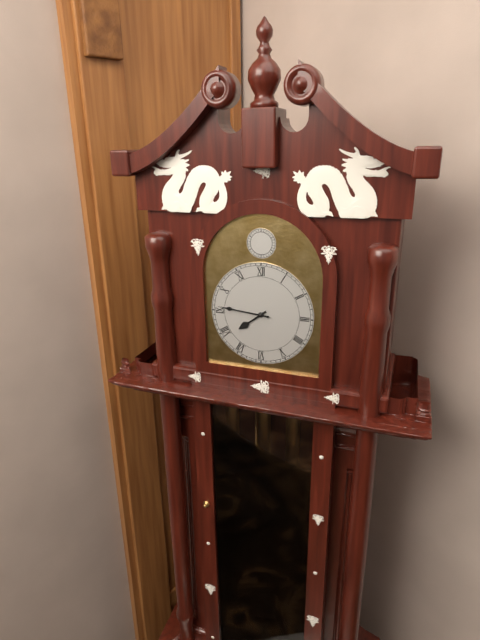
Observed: 7 h 46 min
